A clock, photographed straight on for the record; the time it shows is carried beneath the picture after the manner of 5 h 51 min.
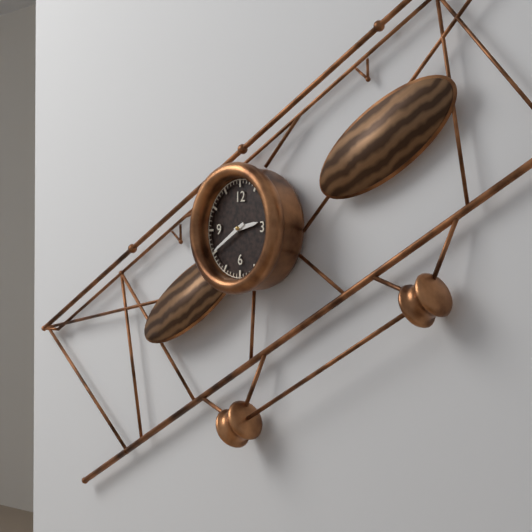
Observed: 2 h 40 min
